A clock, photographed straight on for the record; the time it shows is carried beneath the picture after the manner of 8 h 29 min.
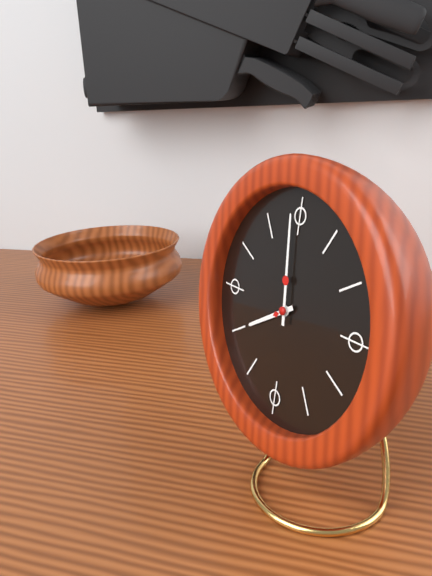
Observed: 7 h 59 min
